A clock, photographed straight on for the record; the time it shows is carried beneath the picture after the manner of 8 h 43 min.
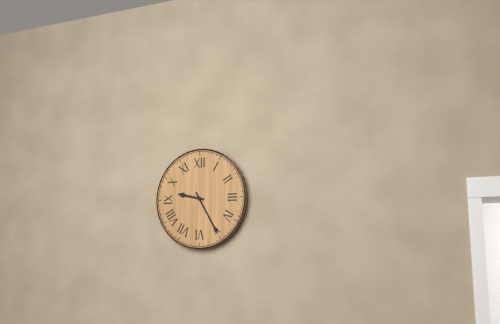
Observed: 9 h 25 min
